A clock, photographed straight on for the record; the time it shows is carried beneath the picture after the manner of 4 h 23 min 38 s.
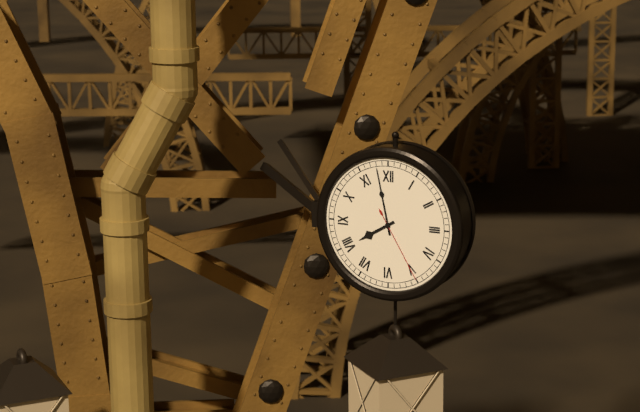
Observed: 7 h 58 min 25 s
